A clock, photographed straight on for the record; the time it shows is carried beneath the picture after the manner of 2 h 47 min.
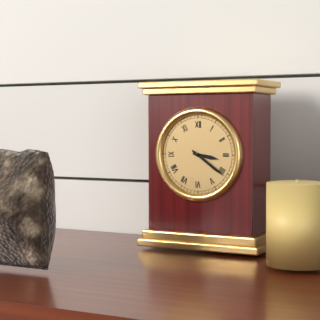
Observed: 3 h 21 min
